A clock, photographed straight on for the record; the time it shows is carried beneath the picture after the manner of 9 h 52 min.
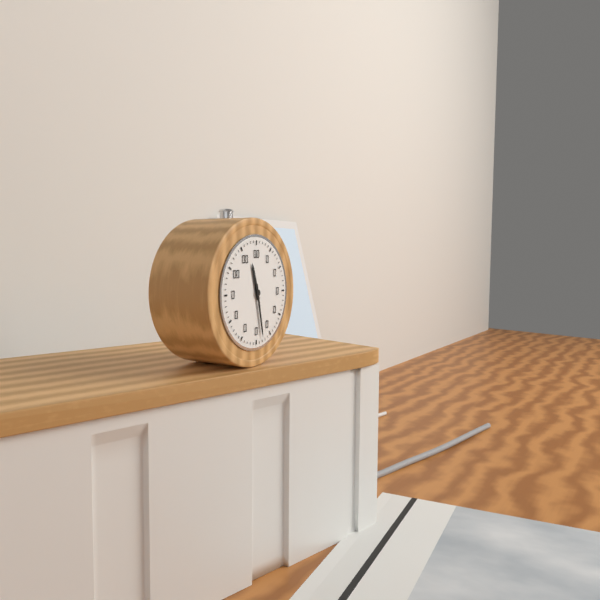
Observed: 11 h 28 min
